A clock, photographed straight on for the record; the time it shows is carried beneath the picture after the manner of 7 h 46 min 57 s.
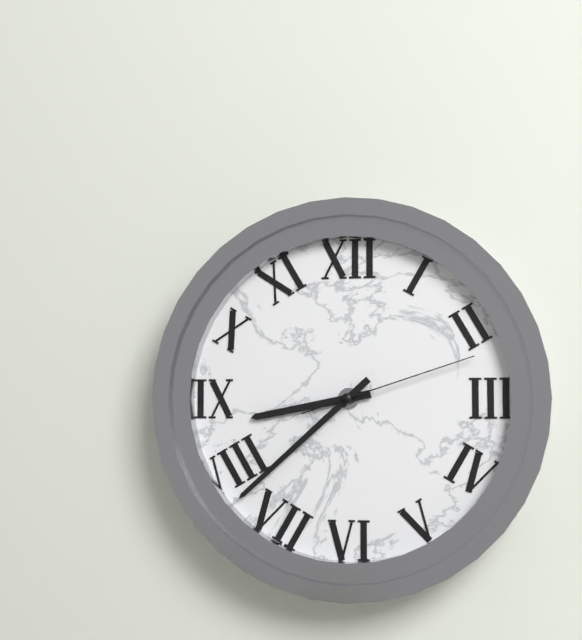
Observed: 8 h 38 min 12 s
